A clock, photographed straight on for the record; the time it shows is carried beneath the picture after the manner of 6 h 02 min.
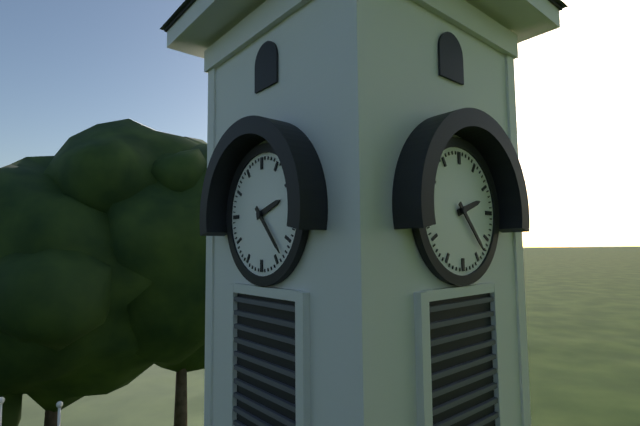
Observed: 2 h 23 min
